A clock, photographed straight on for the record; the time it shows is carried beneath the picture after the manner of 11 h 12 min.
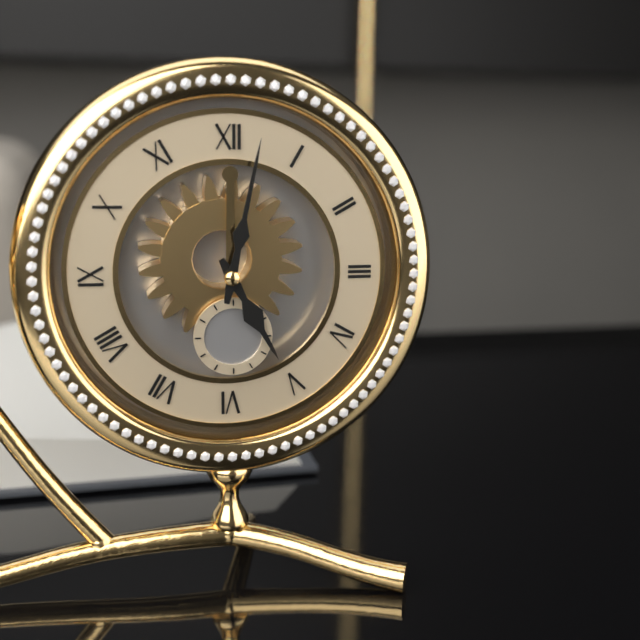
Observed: 5 h 02 min
